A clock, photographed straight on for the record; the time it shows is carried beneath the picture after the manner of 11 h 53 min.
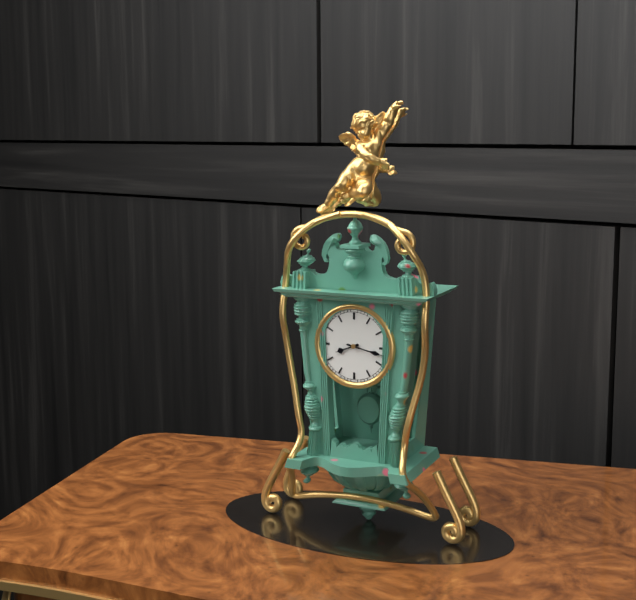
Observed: 8 h 17 min
